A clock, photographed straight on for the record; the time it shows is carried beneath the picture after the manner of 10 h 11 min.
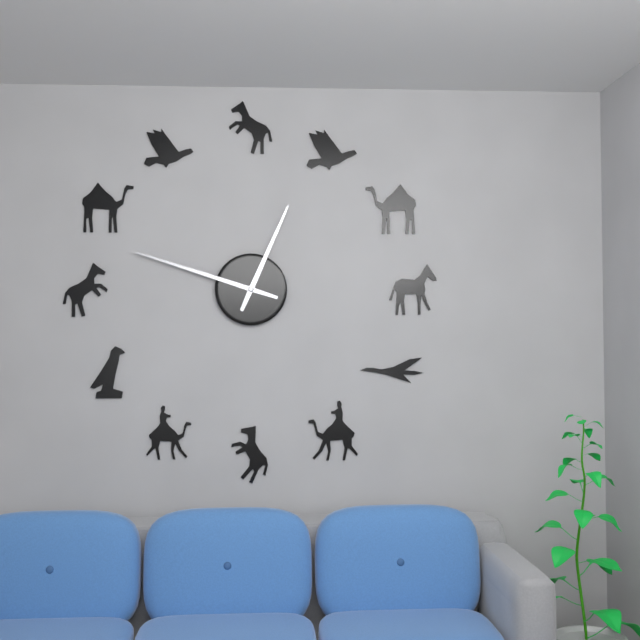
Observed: 12 h 48 min
